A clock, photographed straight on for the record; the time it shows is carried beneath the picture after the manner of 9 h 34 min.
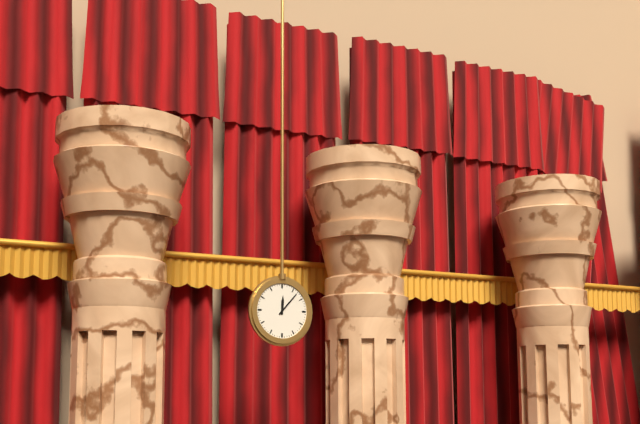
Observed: 12 h 07 min
